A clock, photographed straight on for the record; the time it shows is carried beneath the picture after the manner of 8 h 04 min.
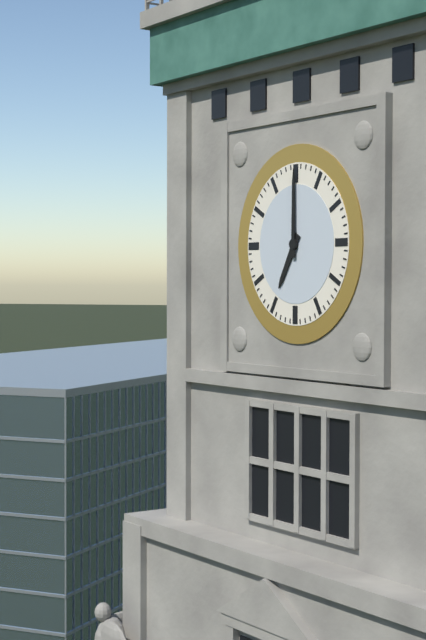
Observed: 7 h 00 min
